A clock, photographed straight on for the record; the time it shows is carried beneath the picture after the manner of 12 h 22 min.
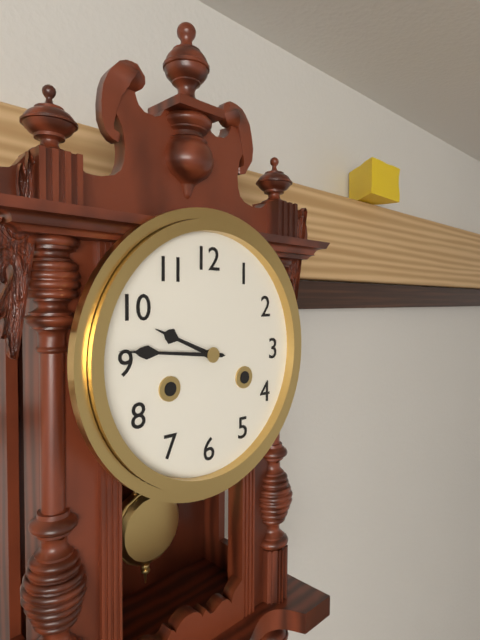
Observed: 9 h 46 min
